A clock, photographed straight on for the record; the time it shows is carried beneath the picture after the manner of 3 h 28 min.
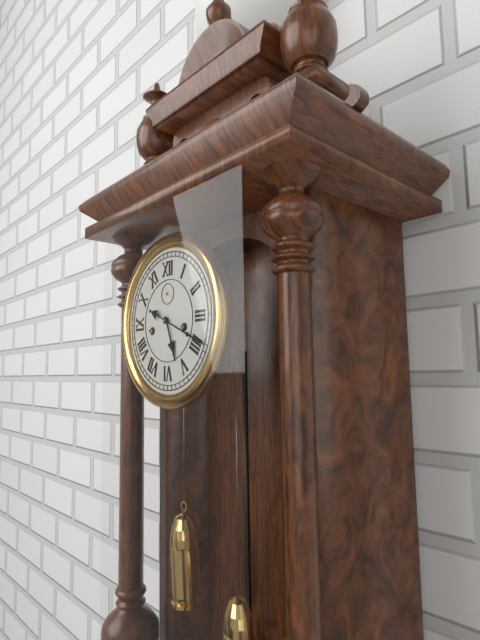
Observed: 5 h 19 min
